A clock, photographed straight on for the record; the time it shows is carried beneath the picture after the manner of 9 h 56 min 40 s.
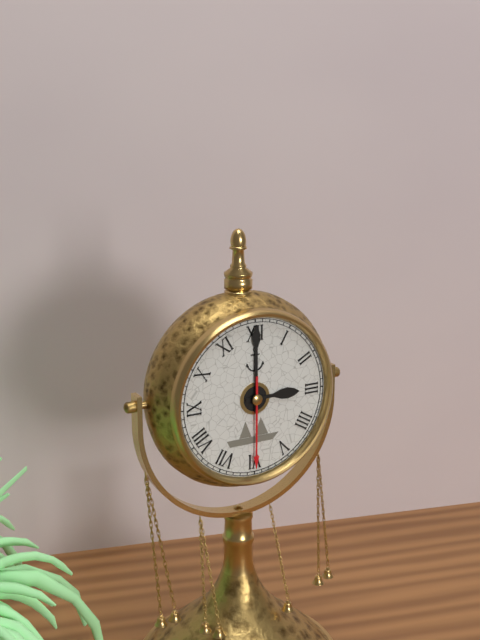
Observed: 3 h 00 min 30 s
